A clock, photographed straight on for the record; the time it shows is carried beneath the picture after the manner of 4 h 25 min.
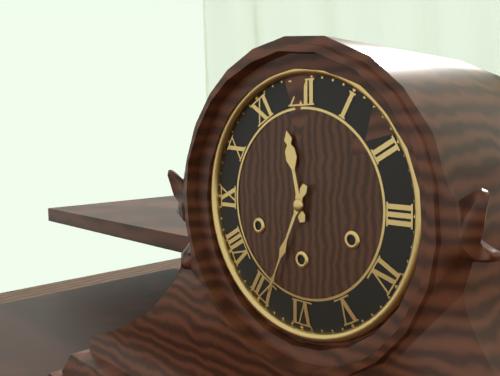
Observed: 11 h 34 min
